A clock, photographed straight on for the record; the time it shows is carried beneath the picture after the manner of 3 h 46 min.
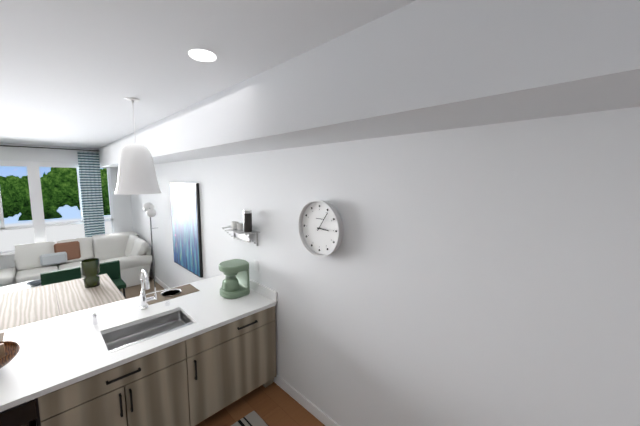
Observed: 3 h 06 min
